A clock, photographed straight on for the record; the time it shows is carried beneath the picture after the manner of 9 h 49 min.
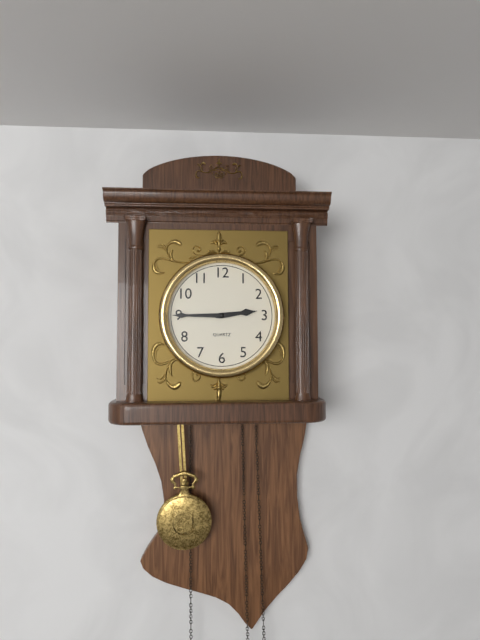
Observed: 2 h 45 min
